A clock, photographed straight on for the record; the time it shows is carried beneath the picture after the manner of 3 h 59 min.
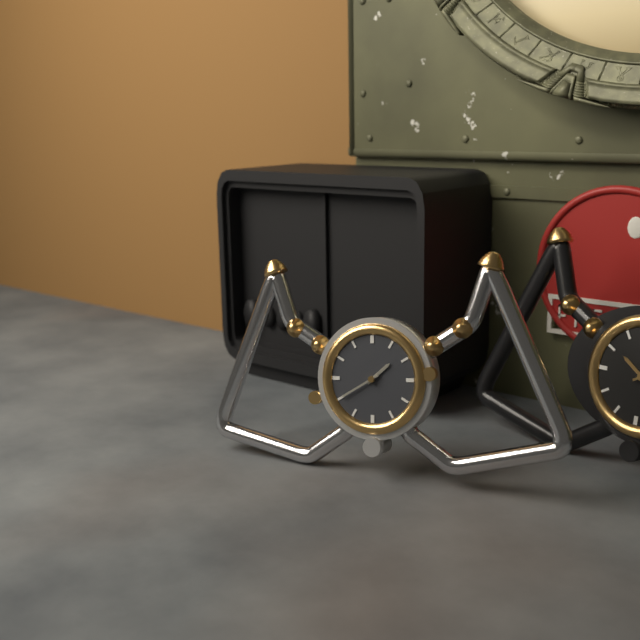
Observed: 1 h 40 min
